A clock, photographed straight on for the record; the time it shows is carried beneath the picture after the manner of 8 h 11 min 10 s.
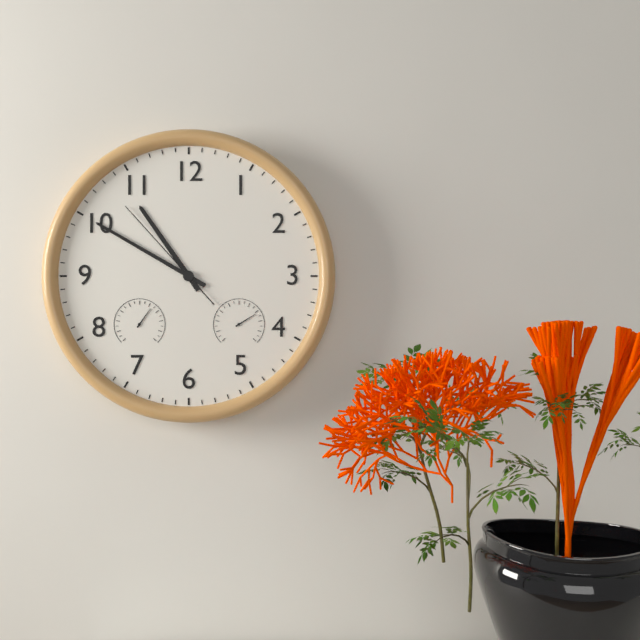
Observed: 10 h 50 min 53 s
